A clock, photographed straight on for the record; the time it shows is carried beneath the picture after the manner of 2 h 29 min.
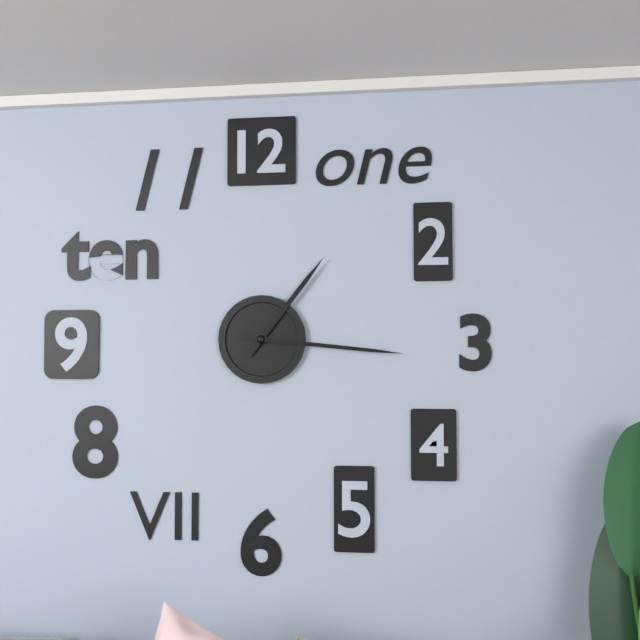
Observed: 1 h 16 min
